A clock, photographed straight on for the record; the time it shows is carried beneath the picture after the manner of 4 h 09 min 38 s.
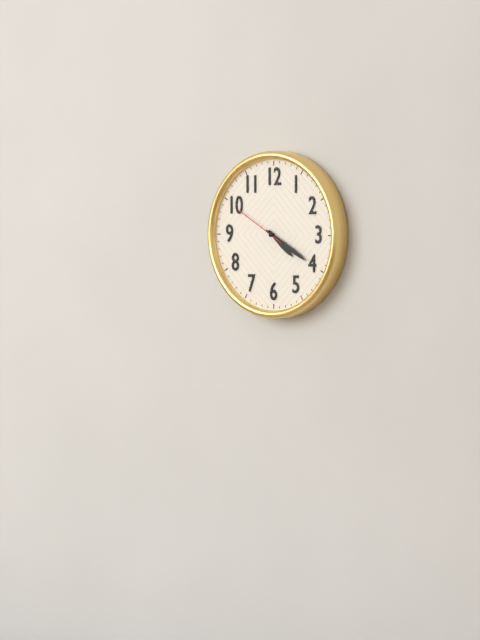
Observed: 4 h 20 min 50 s
